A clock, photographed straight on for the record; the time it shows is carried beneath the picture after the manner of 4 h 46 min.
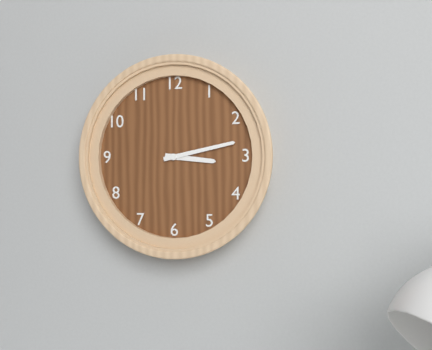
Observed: 3 h 13 min
